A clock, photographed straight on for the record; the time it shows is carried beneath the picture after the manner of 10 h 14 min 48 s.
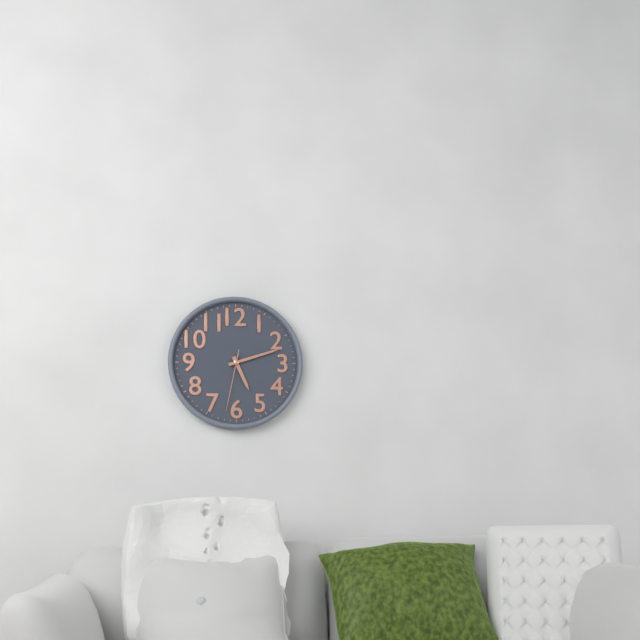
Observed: 5 h 12 min 32 s
